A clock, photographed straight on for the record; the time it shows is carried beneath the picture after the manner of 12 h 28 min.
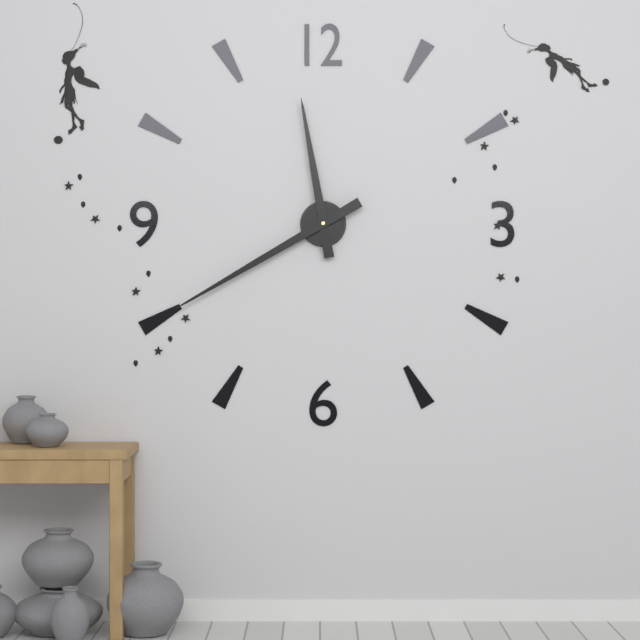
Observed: 11 h 40 min
